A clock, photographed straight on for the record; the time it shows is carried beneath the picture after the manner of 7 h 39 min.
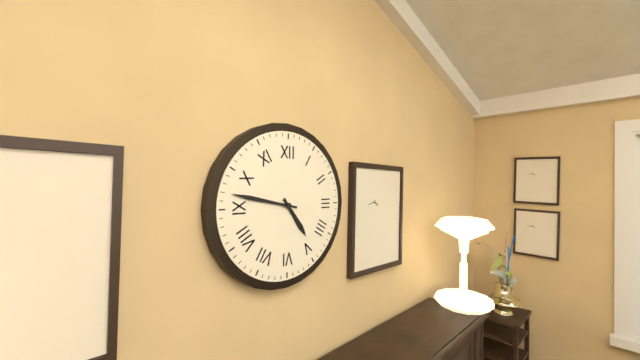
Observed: 4 h 47 min
